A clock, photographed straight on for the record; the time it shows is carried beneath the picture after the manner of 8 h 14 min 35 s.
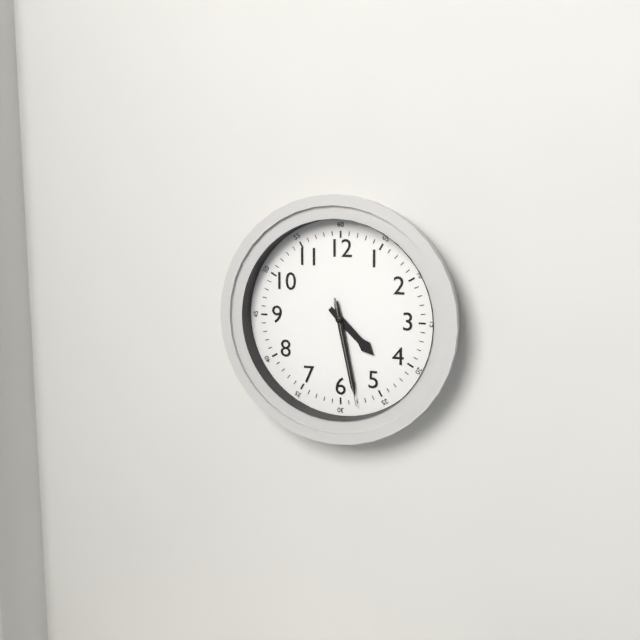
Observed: 4 h 28 min 28 s
